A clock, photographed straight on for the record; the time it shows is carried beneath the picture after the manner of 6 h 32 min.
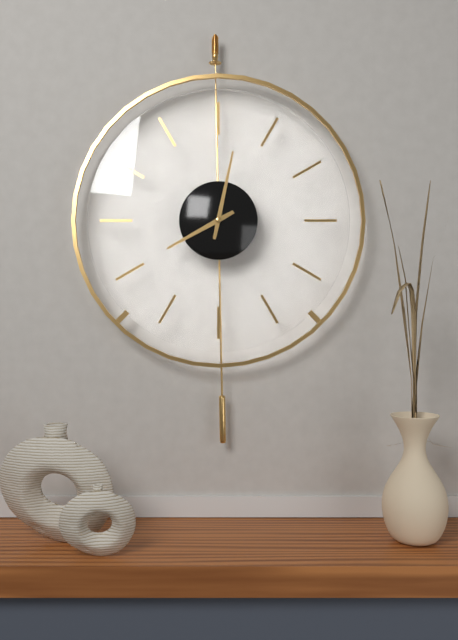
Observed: 8 h 02 min
